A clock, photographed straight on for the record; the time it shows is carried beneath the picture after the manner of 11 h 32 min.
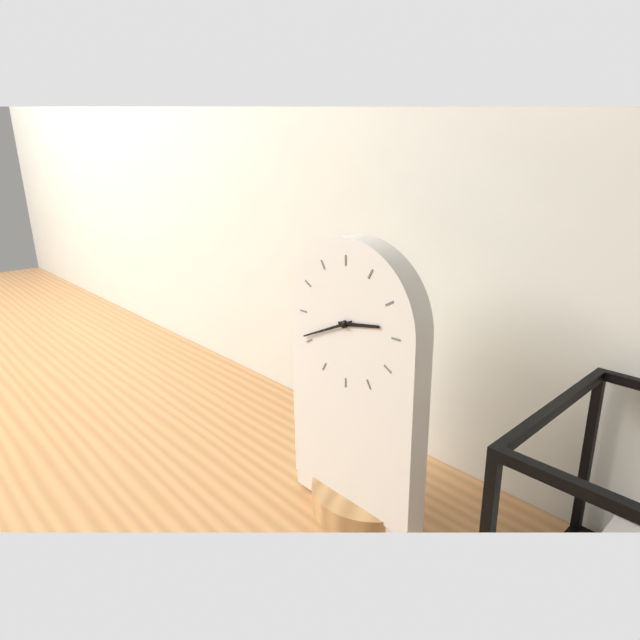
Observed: 2 h 41 min
